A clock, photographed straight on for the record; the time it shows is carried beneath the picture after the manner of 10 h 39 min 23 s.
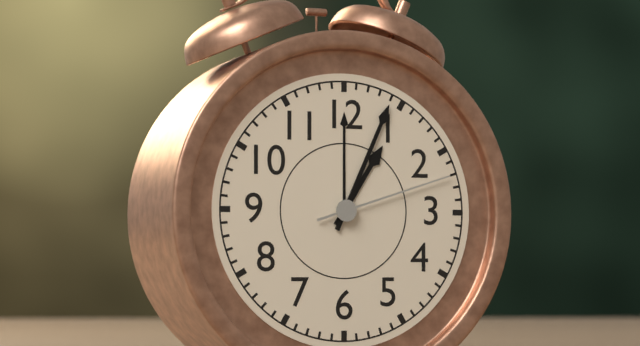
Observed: 1 h 04 min 12 s
